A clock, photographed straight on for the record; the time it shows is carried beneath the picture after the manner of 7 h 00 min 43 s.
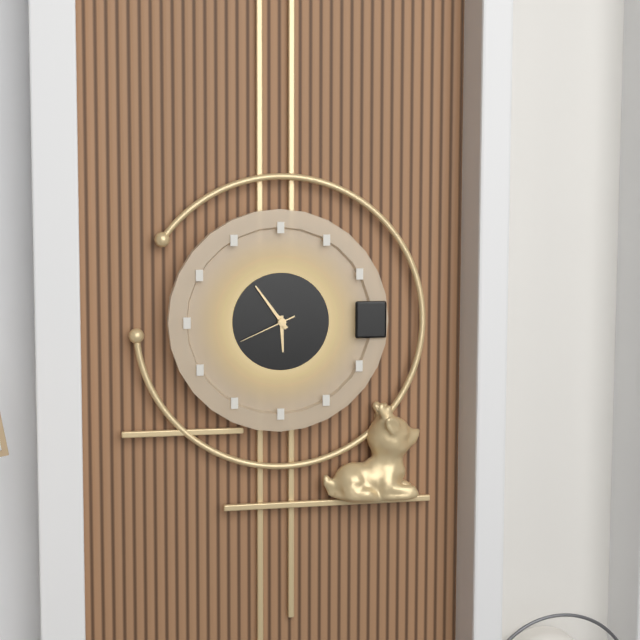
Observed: 5 h 54 min 41 s
